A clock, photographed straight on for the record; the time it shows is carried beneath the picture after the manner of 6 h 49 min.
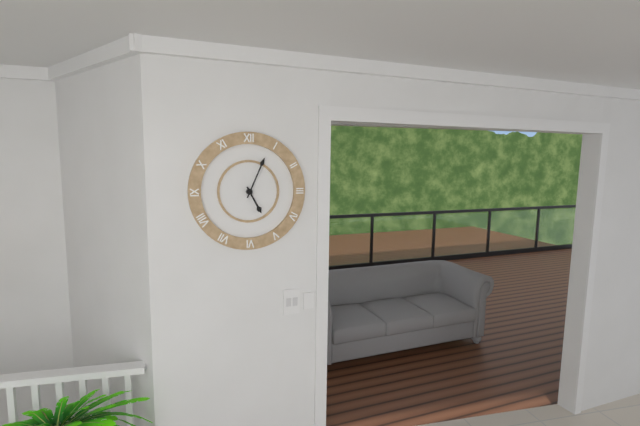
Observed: 5 h 04 min
